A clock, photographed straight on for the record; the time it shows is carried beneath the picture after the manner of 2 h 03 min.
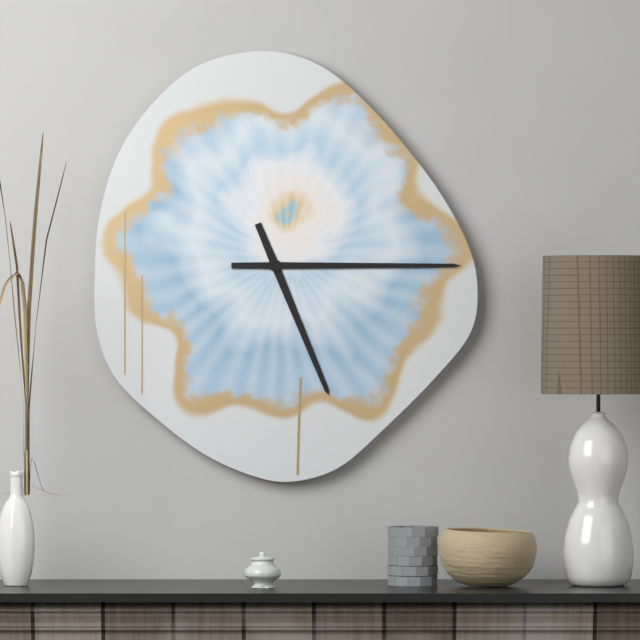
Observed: 5 h 15 min
